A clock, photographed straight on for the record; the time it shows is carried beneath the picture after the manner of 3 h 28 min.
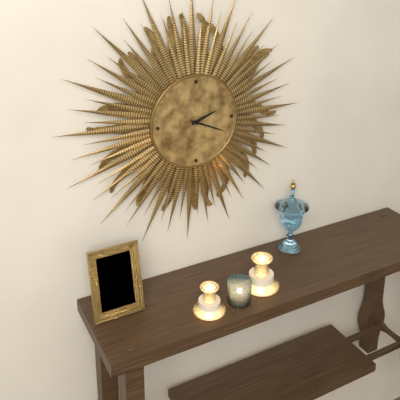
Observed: 2 h 19 min
